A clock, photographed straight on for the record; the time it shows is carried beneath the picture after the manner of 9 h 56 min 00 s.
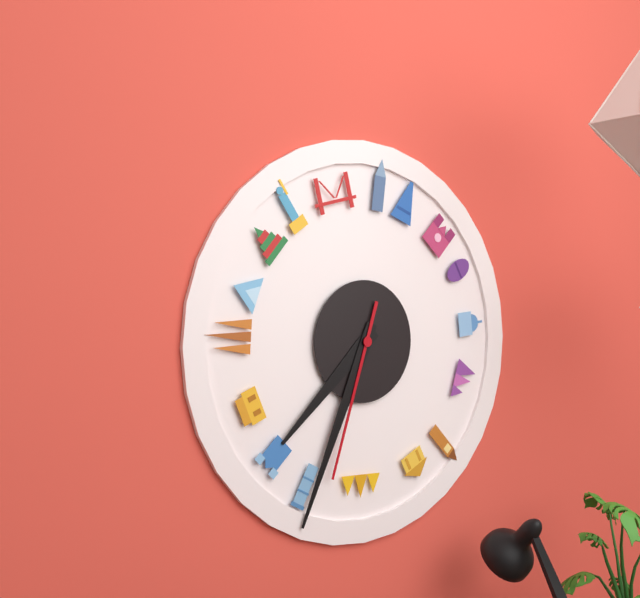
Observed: 7 h 34 min 33 s
